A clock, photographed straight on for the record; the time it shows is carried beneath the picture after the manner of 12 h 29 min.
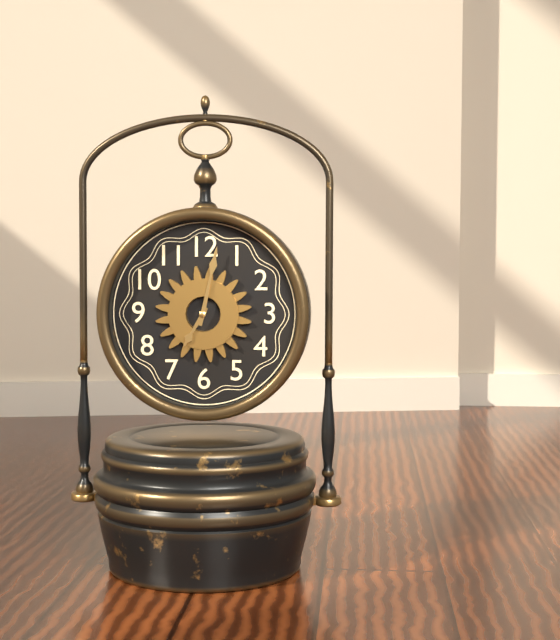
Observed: 7 h 02 min
